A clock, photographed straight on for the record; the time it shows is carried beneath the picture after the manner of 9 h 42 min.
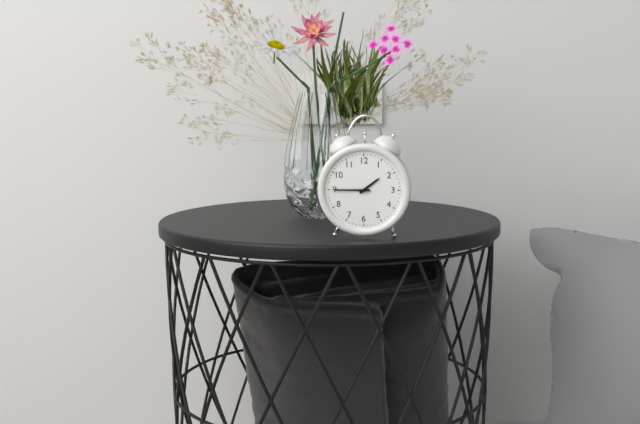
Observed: 1 h 45 min
